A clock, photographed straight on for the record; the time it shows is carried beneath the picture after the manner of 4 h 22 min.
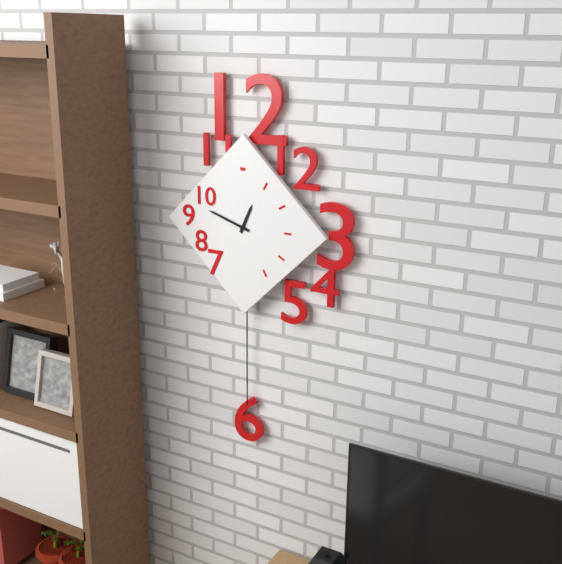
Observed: 12 h 48 min
